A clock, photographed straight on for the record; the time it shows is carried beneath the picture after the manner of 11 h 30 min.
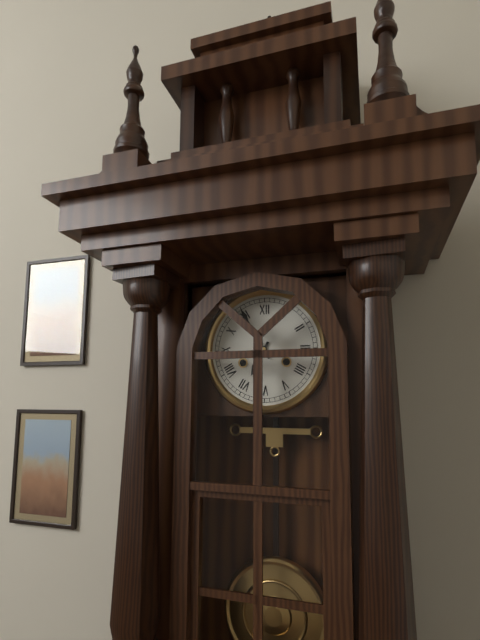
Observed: 6 h 55 min
